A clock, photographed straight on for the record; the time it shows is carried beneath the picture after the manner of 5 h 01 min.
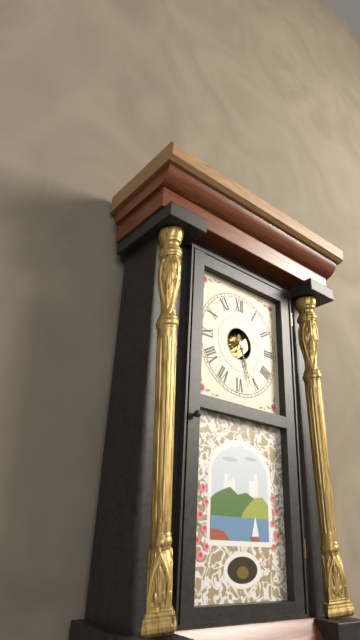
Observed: 5 h 27 min
